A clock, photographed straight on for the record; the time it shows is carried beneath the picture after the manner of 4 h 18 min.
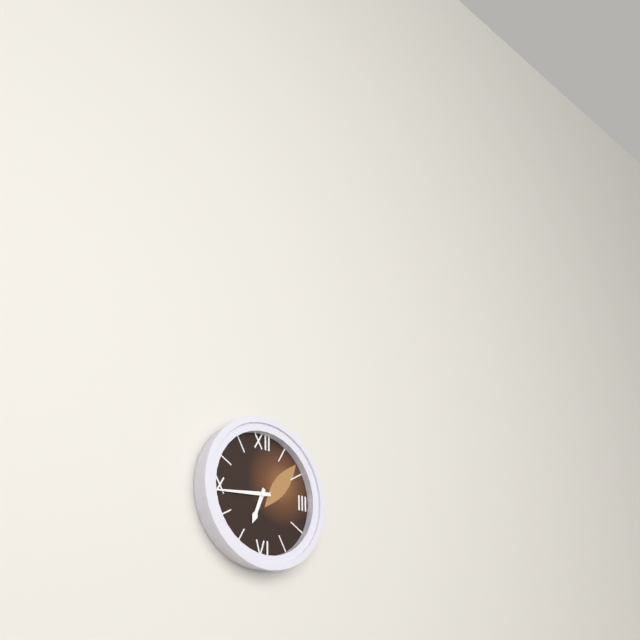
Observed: 6 h 44 min
